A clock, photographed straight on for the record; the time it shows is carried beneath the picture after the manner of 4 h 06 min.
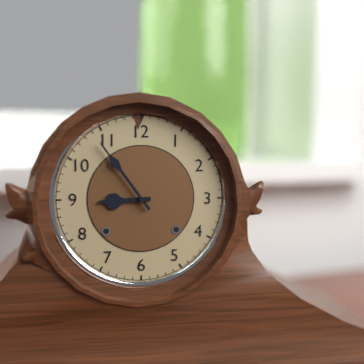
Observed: 8 h 54 min
